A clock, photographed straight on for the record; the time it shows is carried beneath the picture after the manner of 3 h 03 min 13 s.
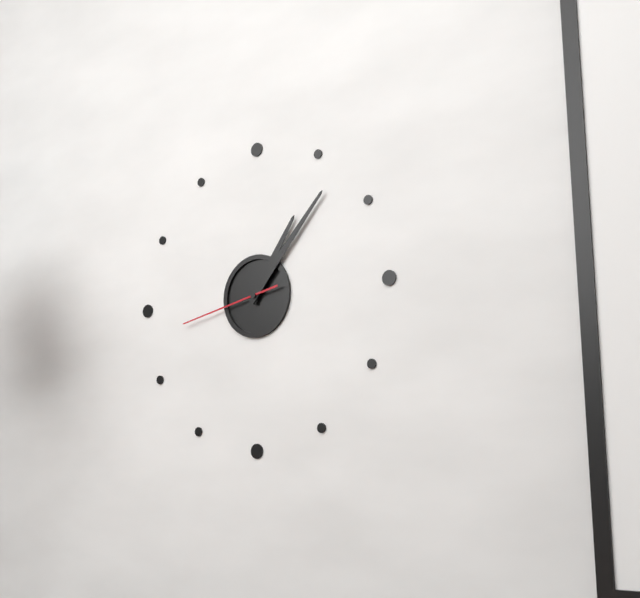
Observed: 1 h 07 min 43 s
